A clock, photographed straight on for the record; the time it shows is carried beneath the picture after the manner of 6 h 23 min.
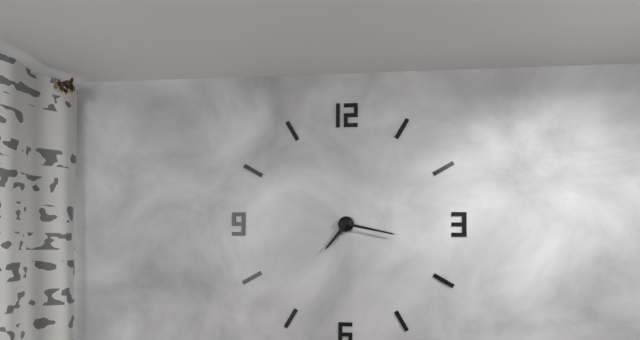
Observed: 7 h 17 min
